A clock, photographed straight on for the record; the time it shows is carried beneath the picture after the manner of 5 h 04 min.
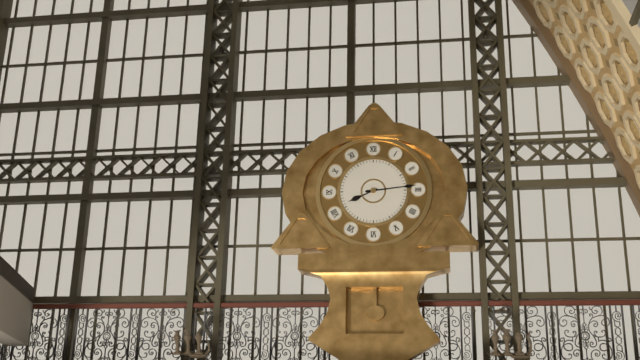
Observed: 8 h 14 min
